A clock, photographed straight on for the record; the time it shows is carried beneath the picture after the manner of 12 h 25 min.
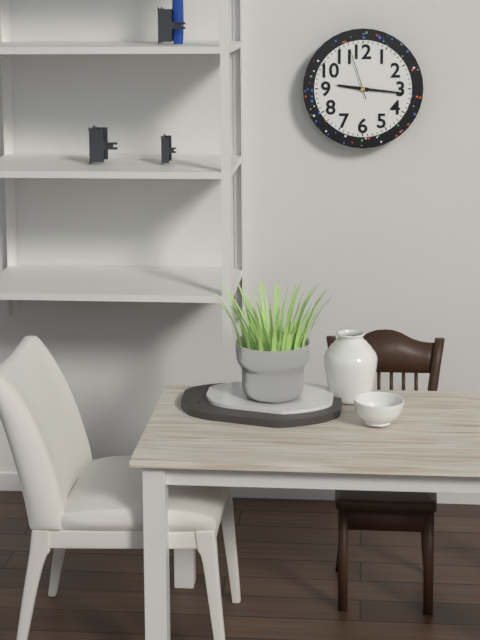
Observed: 9 h 16 min
